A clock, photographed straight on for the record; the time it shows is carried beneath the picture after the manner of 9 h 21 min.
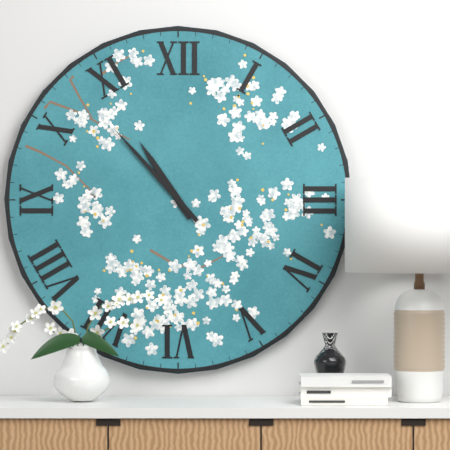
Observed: 10 h 53 min
